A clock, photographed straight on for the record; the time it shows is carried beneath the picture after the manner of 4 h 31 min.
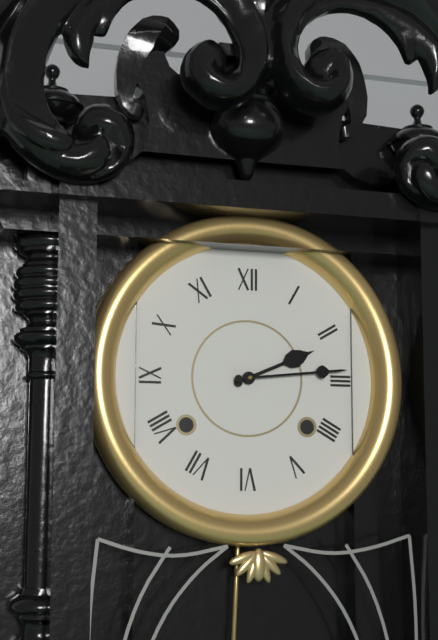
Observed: 2 h 14 min
